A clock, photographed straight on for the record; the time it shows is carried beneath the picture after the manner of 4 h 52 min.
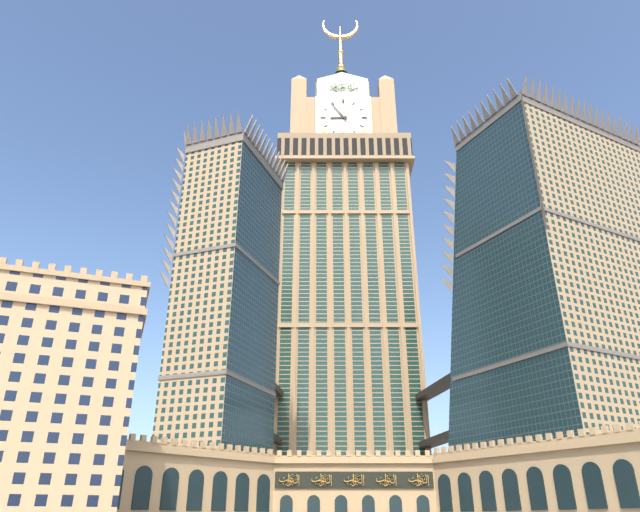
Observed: 8 h 54 min
